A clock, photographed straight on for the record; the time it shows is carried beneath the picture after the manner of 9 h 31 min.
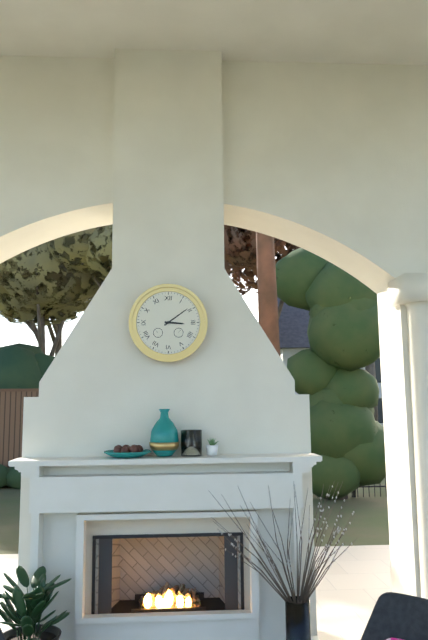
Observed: 3 h 09 min
